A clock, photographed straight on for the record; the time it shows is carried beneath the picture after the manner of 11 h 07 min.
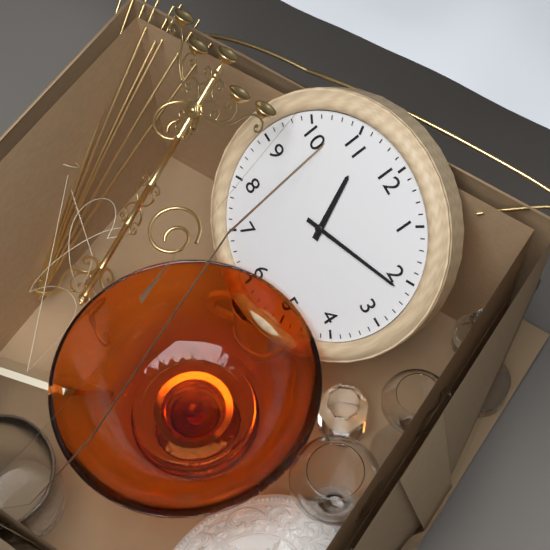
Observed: 11 h 11 min
